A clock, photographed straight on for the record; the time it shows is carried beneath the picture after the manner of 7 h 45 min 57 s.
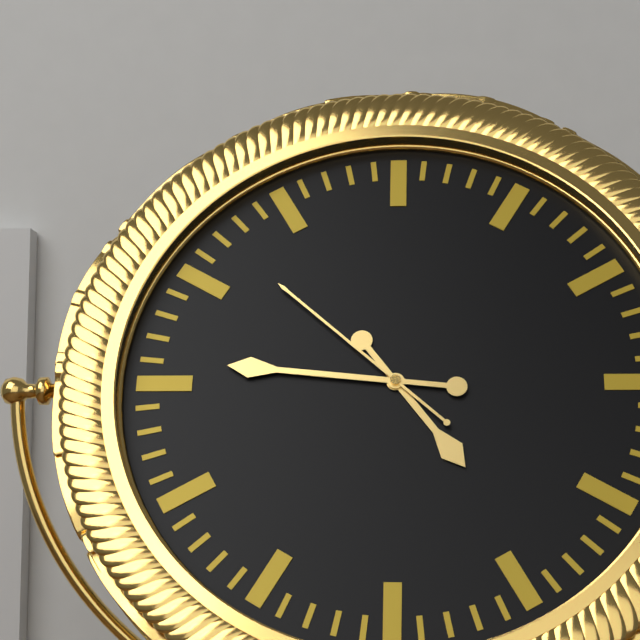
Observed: 4 h 46 min 52 s
